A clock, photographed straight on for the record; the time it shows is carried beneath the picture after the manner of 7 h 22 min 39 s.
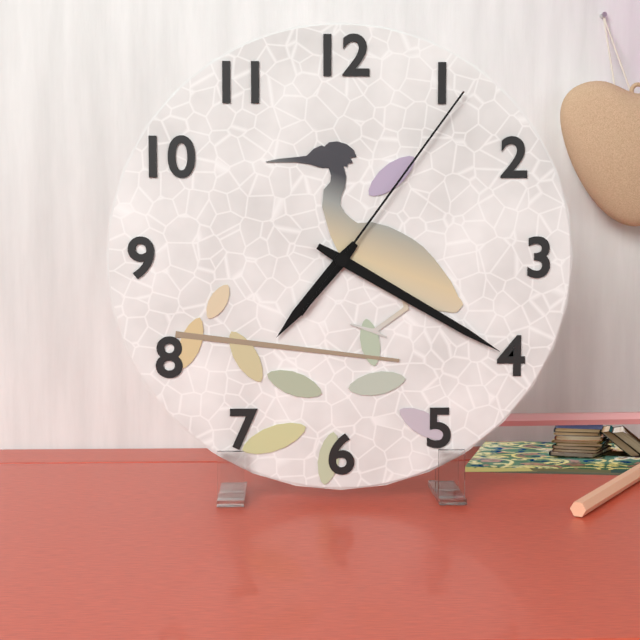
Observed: 7 h 20 min 06 s
